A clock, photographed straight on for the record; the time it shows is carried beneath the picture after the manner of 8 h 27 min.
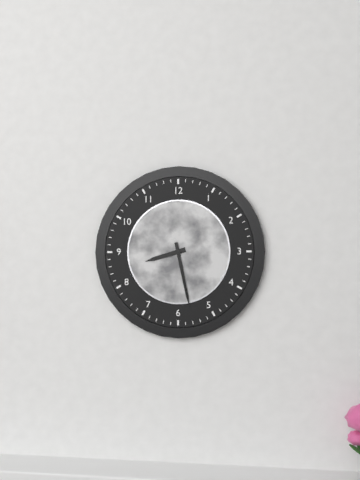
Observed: 8 h 28 min
